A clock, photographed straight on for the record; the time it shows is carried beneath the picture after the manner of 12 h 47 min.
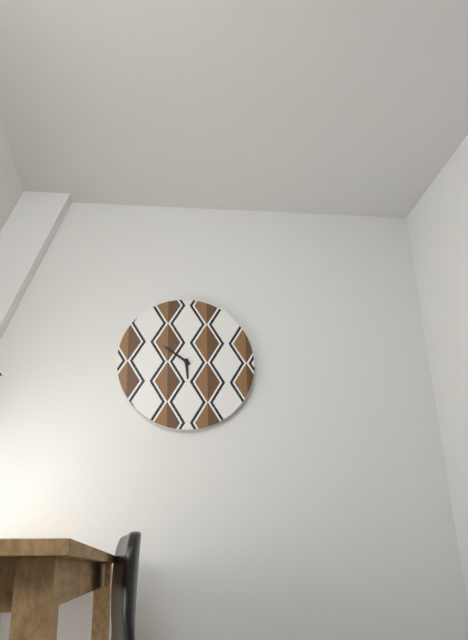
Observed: 5 h 51 min
